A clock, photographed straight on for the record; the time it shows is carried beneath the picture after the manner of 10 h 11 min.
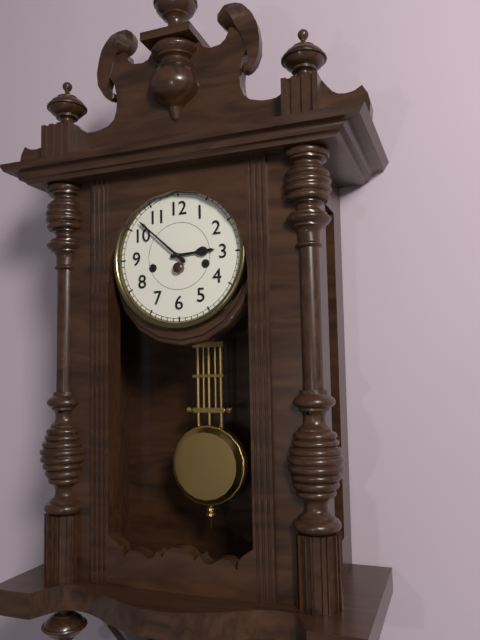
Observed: 2 h 52 min
